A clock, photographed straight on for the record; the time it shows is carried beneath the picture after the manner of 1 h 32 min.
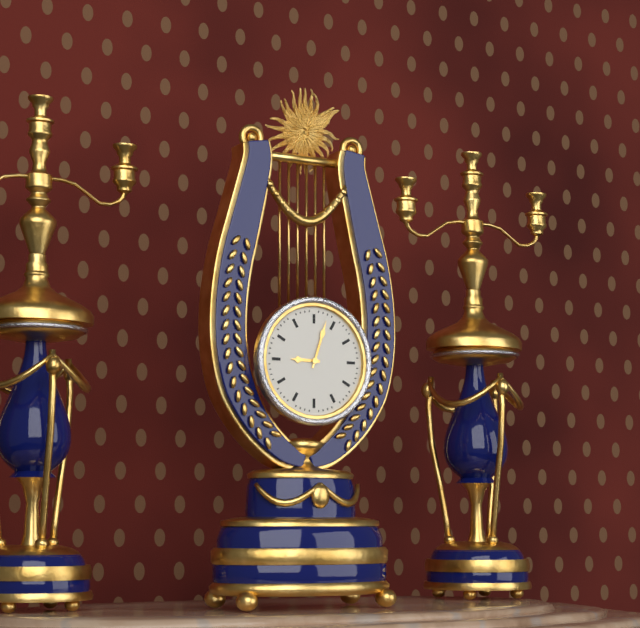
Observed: 9 h 03 min
